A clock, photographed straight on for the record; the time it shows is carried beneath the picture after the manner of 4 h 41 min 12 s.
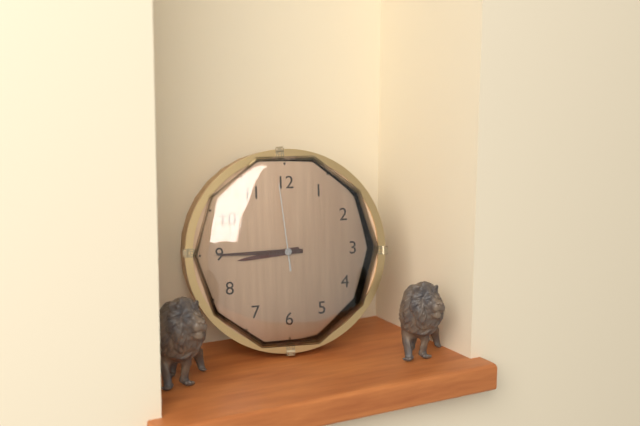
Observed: 8 h 45 min 59 s
